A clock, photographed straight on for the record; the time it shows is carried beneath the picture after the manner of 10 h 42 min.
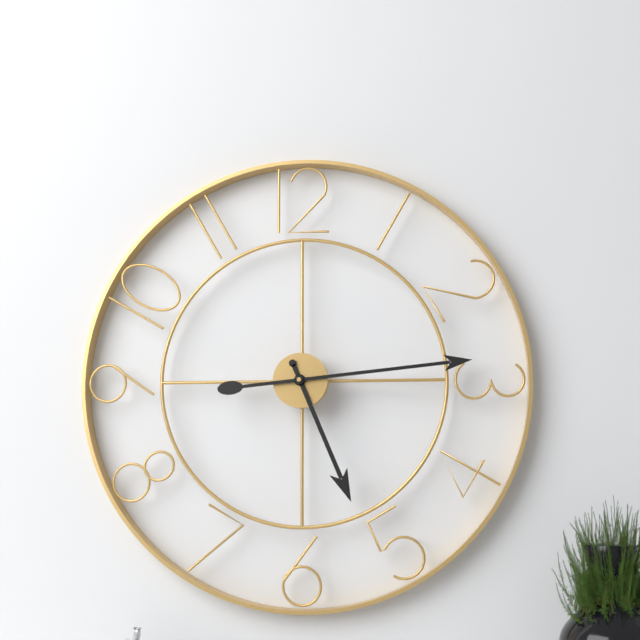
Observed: 5 h 14 min
